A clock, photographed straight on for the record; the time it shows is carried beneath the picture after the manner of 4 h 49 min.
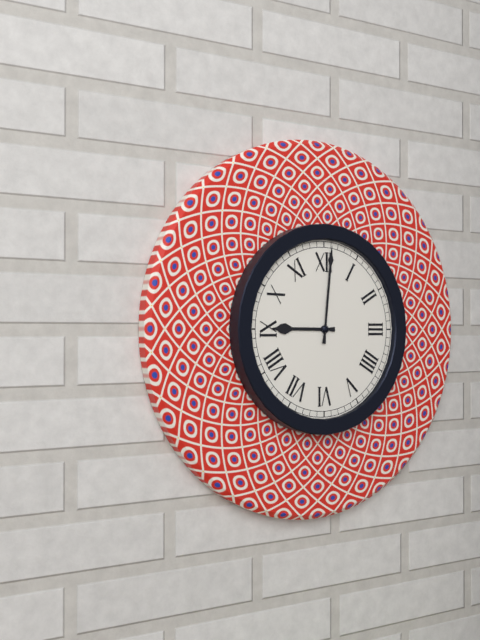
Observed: 9 h 01 min
